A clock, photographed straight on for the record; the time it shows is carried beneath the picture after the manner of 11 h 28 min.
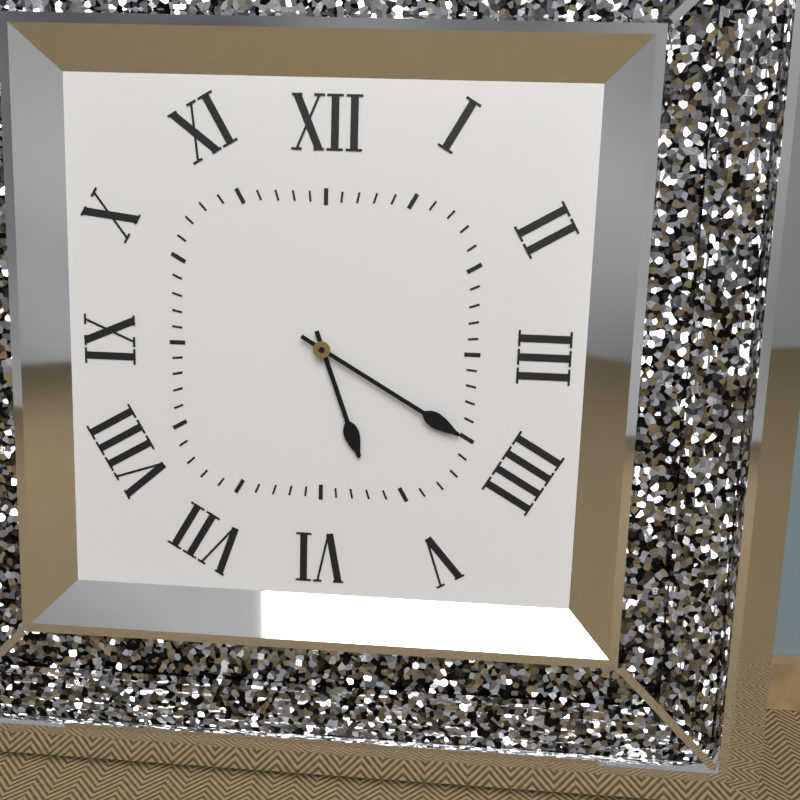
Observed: 5 h 20 min
